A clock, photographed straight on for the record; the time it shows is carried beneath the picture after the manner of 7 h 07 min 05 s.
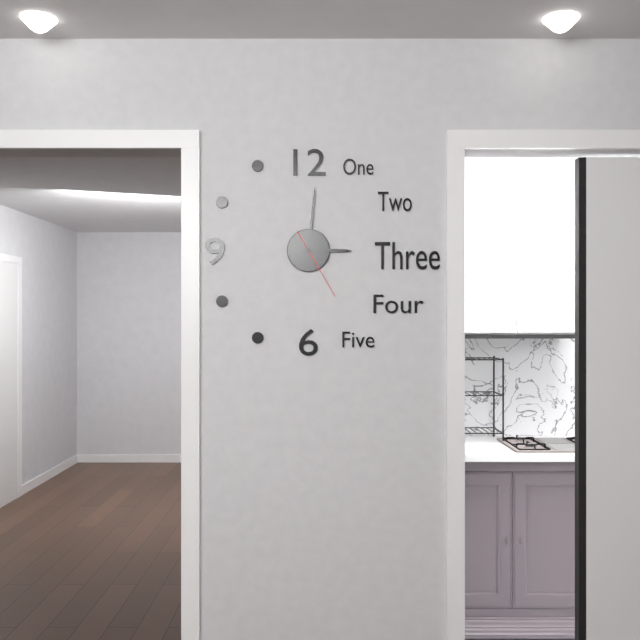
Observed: 3 h 01 min 25 s
